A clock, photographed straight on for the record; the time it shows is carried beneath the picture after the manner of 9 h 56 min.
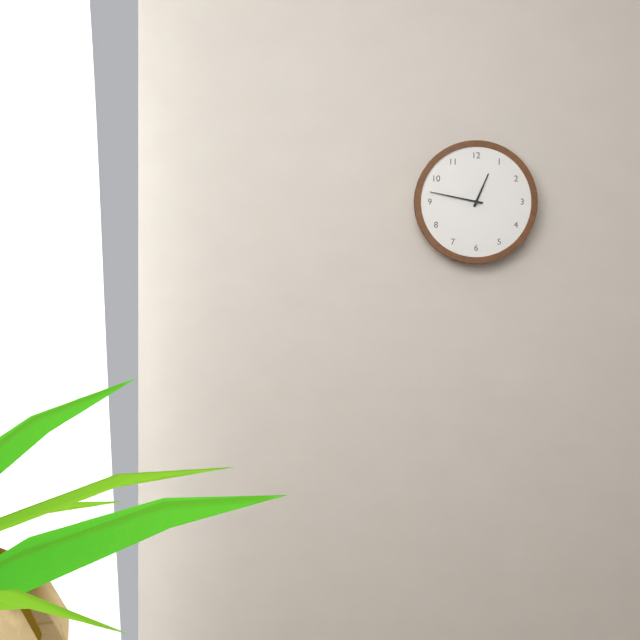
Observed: 12 h 47 min
